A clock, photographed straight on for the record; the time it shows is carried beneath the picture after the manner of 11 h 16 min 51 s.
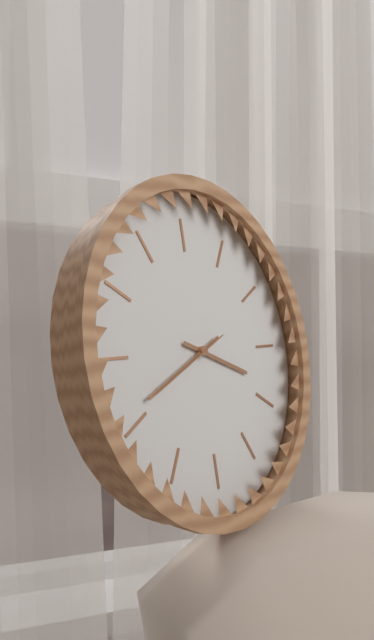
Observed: 3 h 41 min 41 s
